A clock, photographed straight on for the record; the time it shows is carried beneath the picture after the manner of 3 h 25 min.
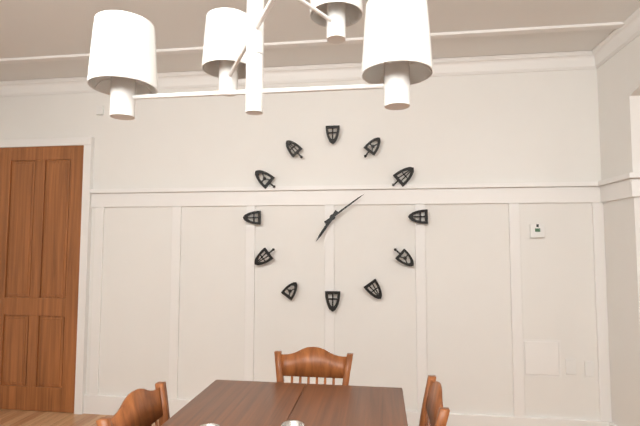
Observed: 7 h 09 min
